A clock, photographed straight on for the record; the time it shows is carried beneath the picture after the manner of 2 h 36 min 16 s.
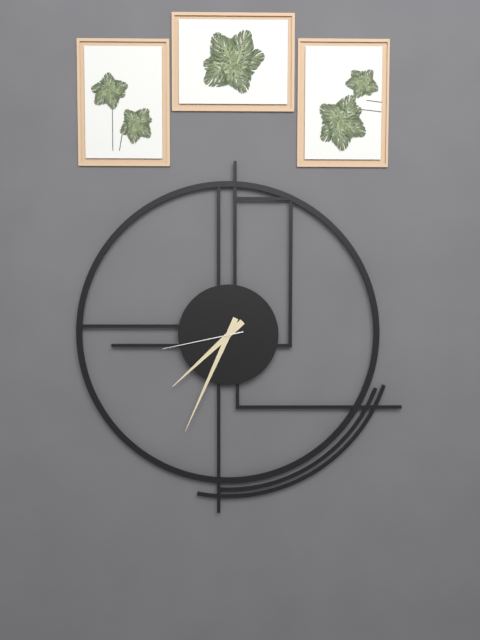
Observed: 7 h 34 min 43 s
